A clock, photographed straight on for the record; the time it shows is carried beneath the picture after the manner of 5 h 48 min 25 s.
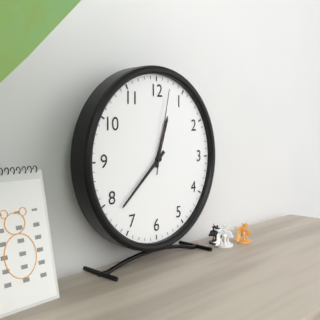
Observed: 12 h 38 min 02 s
